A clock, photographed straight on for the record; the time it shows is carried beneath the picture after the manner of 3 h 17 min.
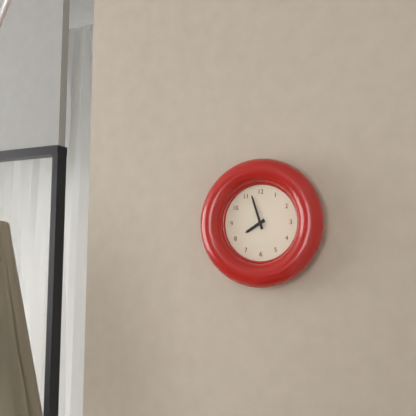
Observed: 7 h 57 min
